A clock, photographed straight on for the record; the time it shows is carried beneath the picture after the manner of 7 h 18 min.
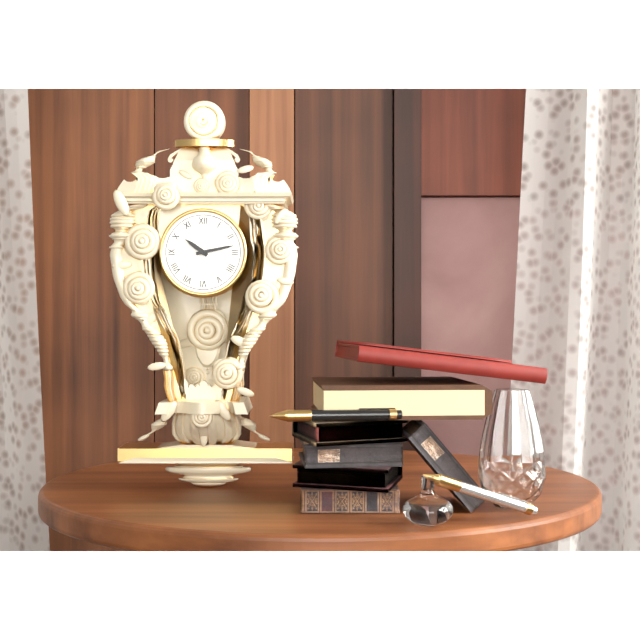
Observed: 10 h 13 min
